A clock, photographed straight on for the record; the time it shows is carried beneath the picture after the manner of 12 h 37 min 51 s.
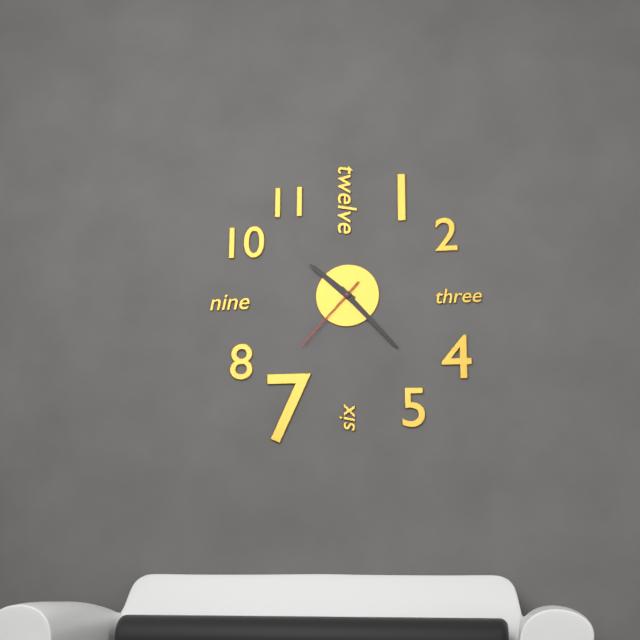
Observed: 10 h 23 min 37 s
